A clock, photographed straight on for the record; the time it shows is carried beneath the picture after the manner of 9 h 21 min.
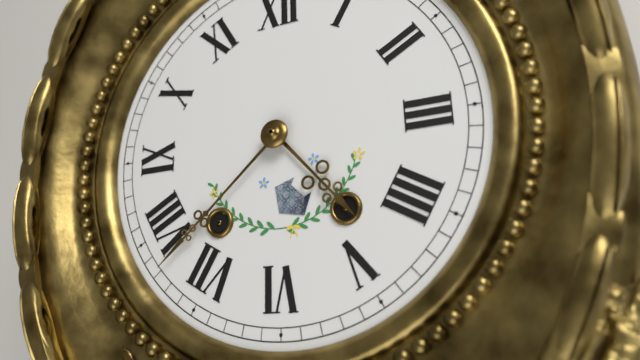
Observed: 4 h 38 min
